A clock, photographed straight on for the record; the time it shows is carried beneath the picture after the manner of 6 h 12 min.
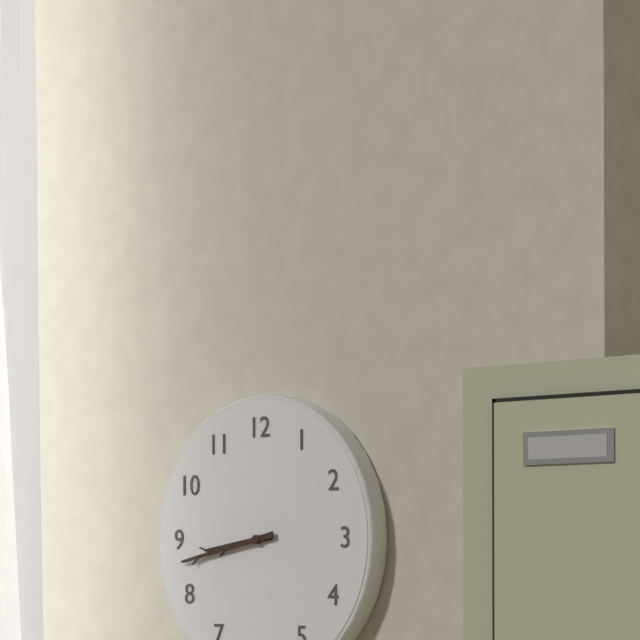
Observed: 8 h 43 min
